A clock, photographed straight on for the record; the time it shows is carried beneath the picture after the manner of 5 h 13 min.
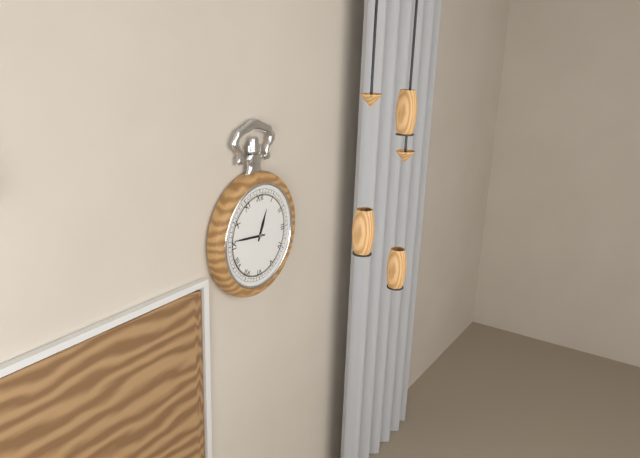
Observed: 12 h 46 min
